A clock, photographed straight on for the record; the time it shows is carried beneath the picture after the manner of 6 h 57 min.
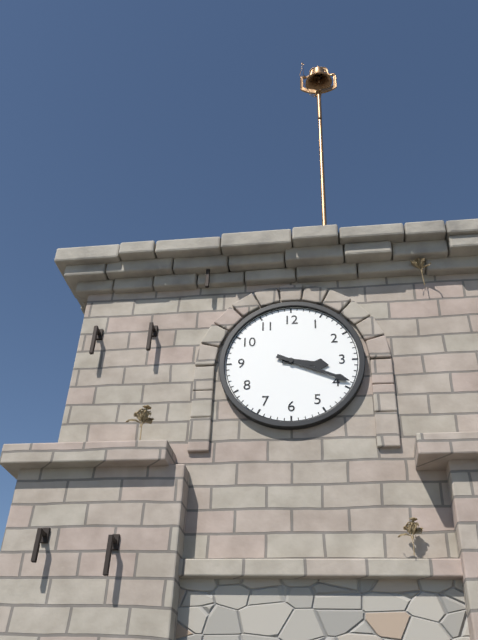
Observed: 3 h 19 min
